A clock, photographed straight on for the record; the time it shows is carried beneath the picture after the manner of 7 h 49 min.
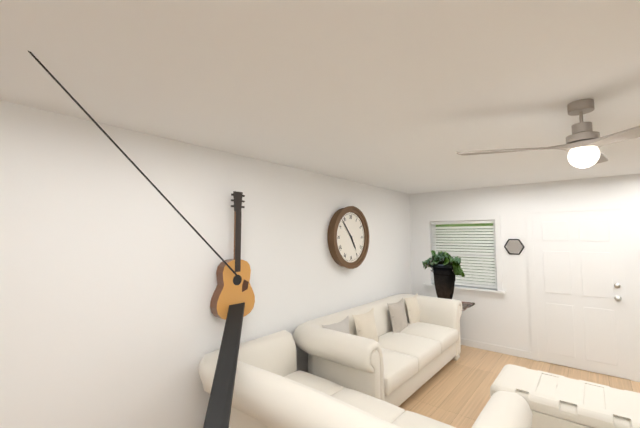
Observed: 4 h 53 min
